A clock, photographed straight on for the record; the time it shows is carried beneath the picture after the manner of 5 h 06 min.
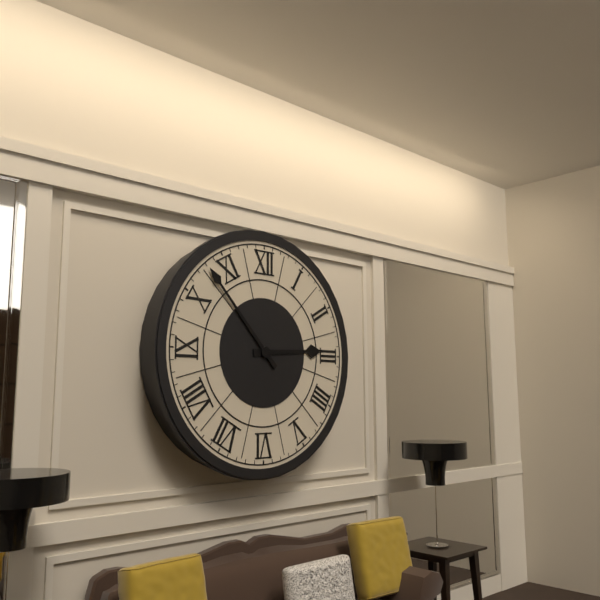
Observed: 2 h 53 min
